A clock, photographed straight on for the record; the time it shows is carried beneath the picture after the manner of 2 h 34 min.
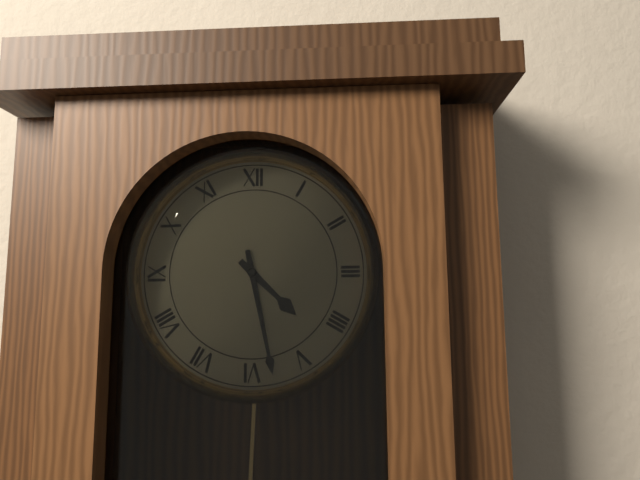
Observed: 4 h 28 min
